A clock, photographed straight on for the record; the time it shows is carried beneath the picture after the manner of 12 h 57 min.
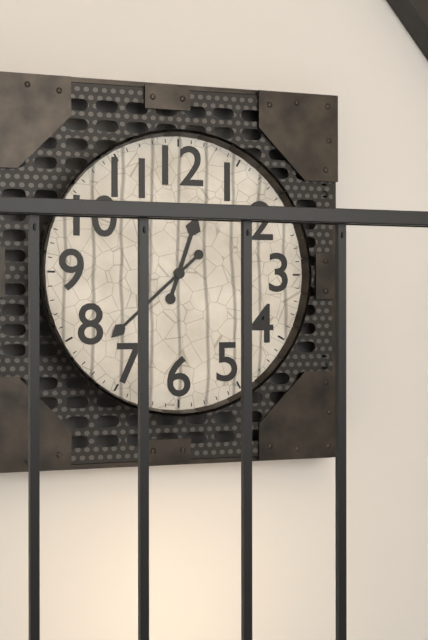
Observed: 12 h 38 min
